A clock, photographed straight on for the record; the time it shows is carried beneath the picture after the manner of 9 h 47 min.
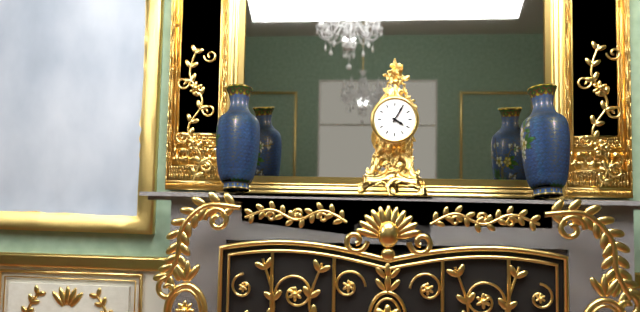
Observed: 4 h 05 min
